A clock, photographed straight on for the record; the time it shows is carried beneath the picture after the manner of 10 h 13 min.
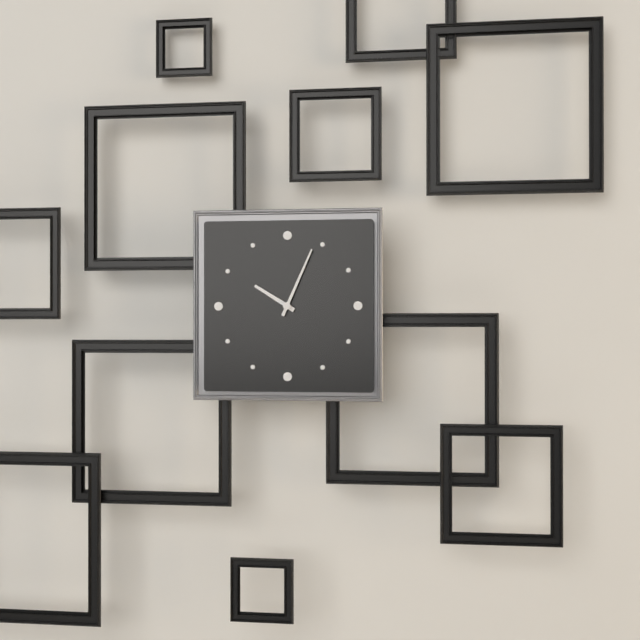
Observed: 10 h 04 min
